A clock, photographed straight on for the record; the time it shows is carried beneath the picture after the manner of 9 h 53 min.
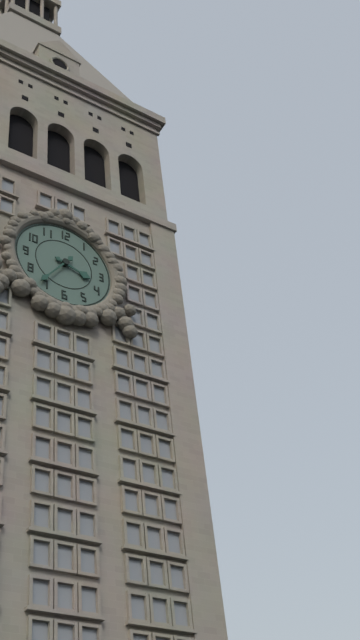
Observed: 3 h 36 min
